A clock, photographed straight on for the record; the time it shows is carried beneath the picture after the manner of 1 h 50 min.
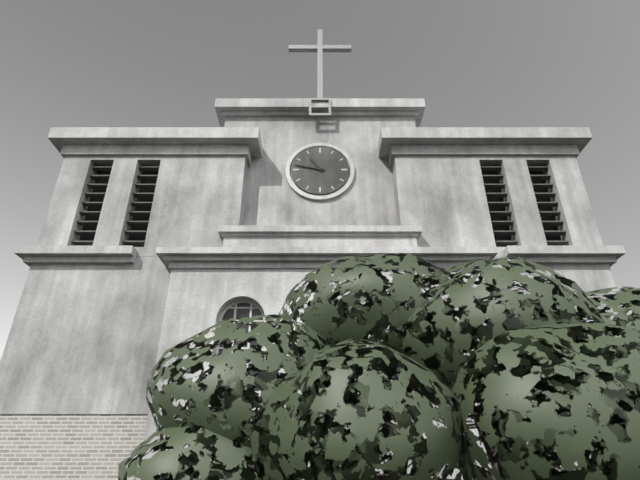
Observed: 10 h 47 min
